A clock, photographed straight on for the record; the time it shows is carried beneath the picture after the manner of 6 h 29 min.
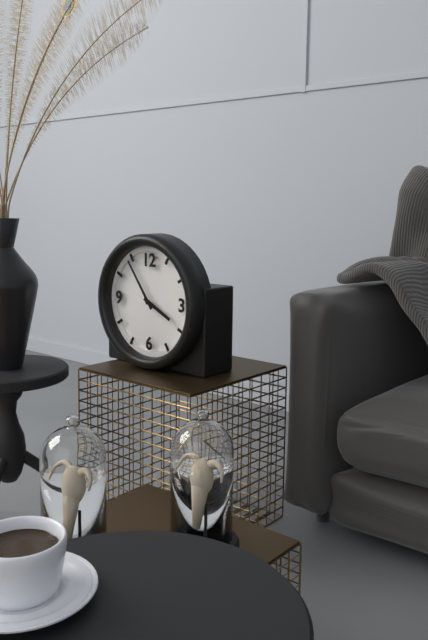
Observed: 3 h 54 min
